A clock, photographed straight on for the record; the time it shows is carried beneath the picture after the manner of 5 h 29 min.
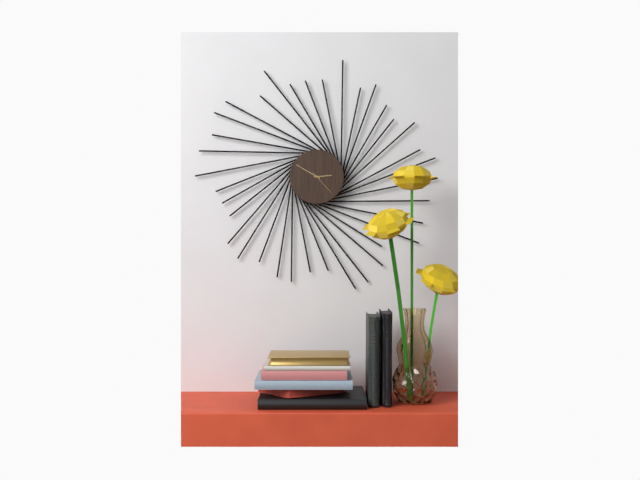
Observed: 2 h 50 min
